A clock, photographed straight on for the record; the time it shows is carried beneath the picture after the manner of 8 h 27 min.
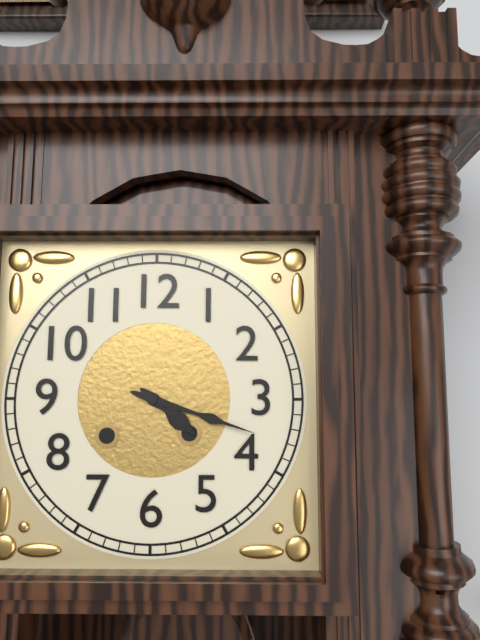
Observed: 4 h 18 min
